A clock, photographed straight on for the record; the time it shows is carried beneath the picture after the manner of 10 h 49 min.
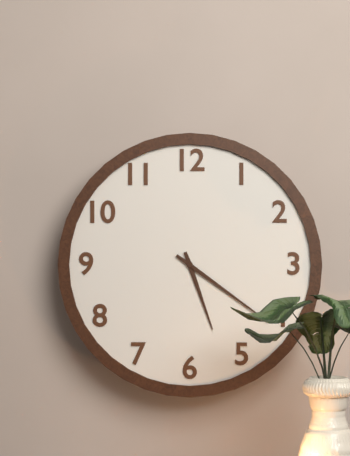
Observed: 5 h 21 min
